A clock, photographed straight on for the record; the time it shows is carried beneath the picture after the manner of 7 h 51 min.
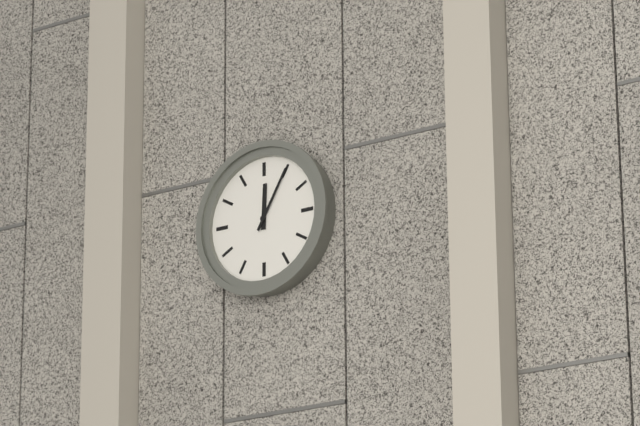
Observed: 12 h 05 min
